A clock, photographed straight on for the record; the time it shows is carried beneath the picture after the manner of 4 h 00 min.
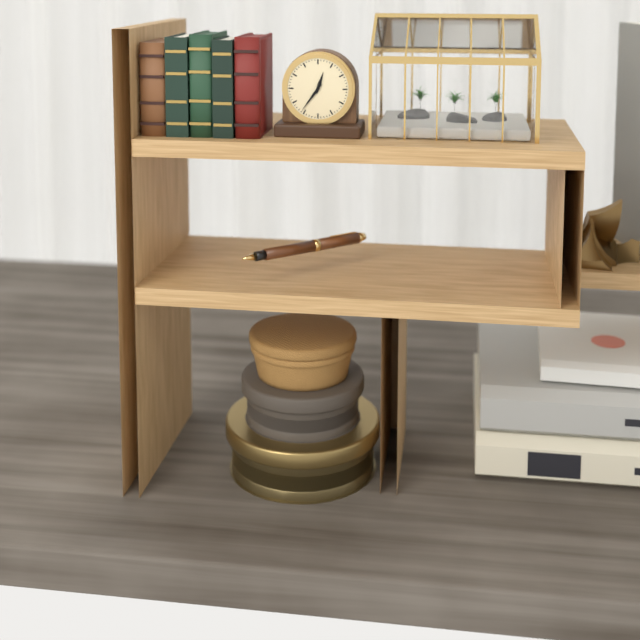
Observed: 12 h 36 min
